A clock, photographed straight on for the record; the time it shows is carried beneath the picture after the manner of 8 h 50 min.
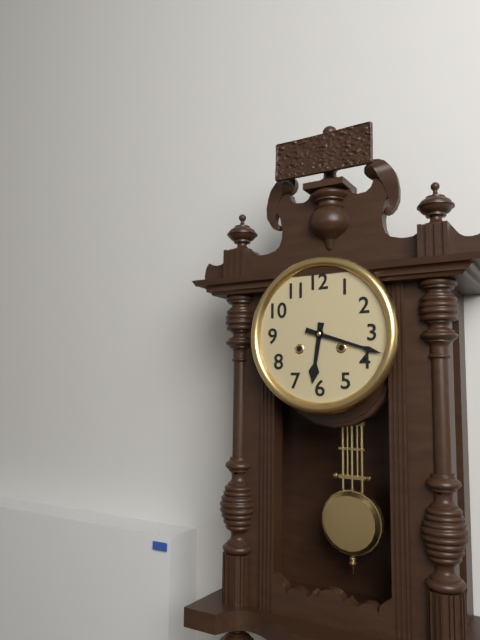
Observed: 6 h 18 min
